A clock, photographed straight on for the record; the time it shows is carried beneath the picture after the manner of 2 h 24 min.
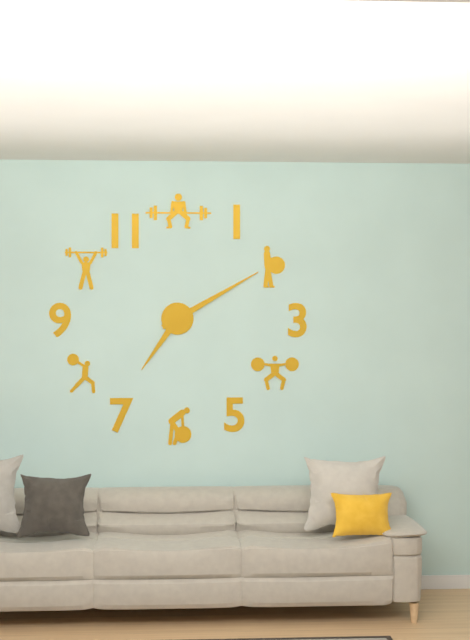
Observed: 7 h 10 min
